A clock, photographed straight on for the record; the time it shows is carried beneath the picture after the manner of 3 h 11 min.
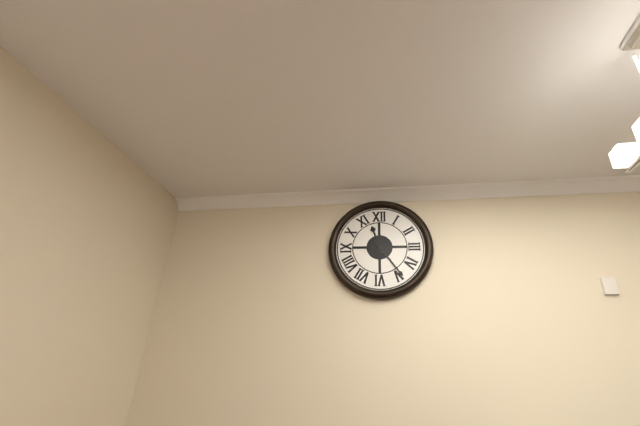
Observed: 11 h 24 min
